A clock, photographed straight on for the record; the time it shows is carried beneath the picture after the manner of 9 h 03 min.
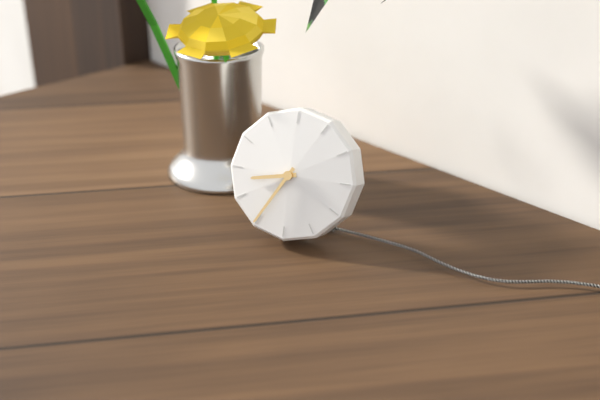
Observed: 8 h 35 min
